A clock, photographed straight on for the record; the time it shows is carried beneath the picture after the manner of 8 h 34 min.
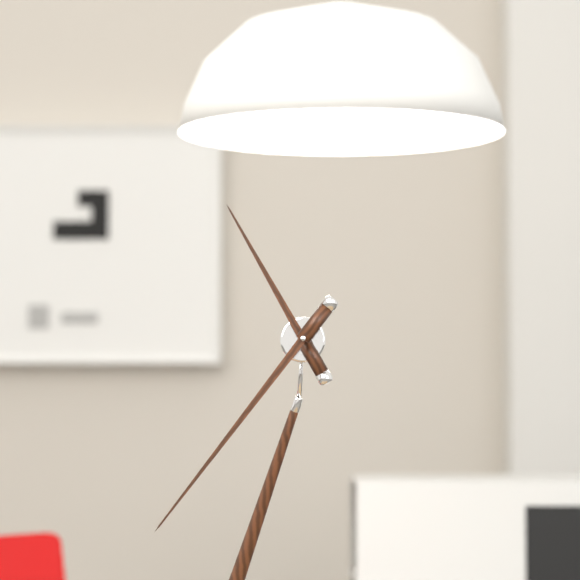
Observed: 10 h 34 min
